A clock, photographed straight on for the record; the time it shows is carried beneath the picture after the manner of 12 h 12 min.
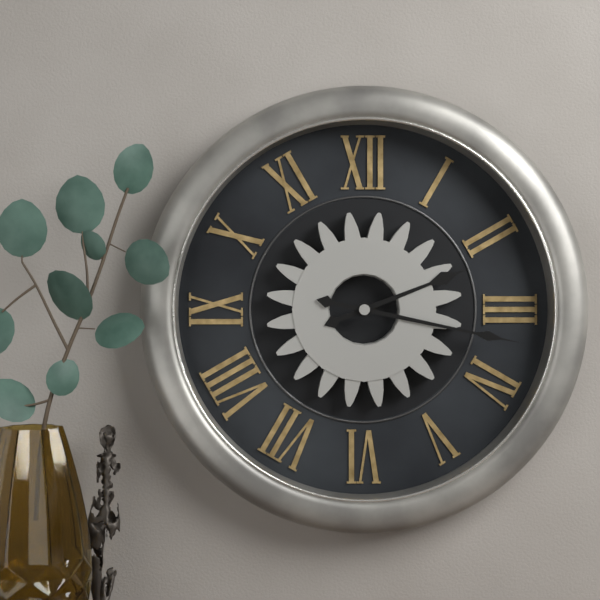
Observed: 2 h 17 min
